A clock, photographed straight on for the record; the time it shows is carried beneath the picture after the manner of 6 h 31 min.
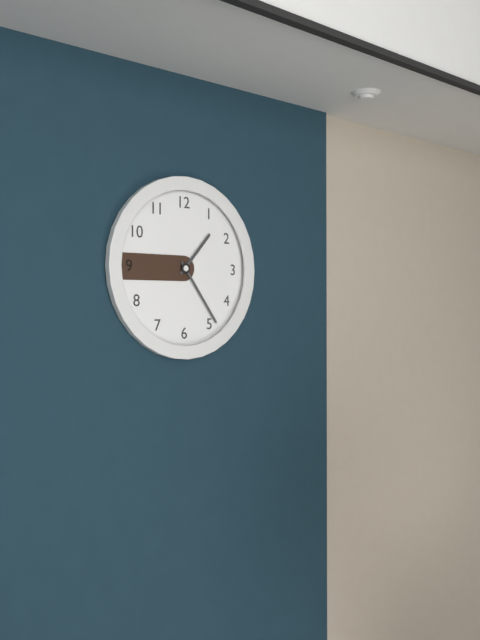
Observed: 1 h 24 min
